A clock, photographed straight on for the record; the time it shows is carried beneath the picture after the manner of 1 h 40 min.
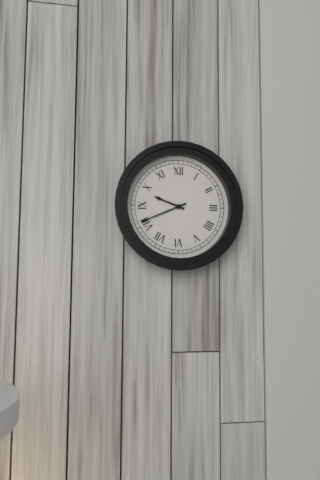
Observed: 9 h 41 min
